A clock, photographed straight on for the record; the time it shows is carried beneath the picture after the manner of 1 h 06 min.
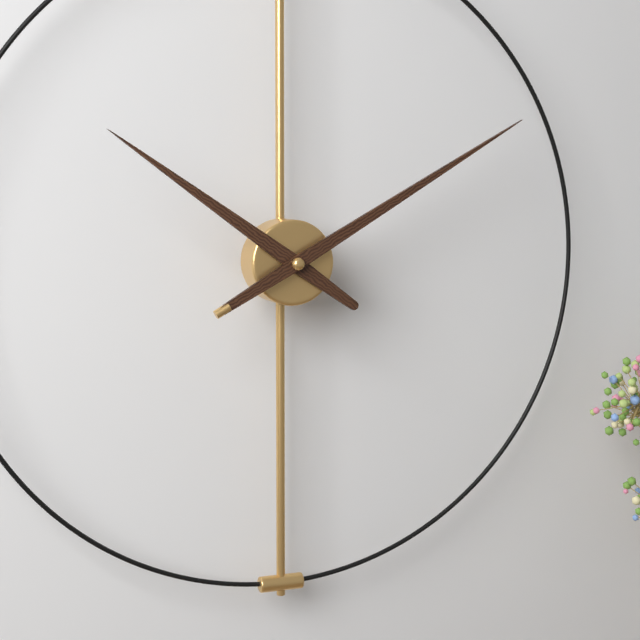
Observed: 10 h 10 min
